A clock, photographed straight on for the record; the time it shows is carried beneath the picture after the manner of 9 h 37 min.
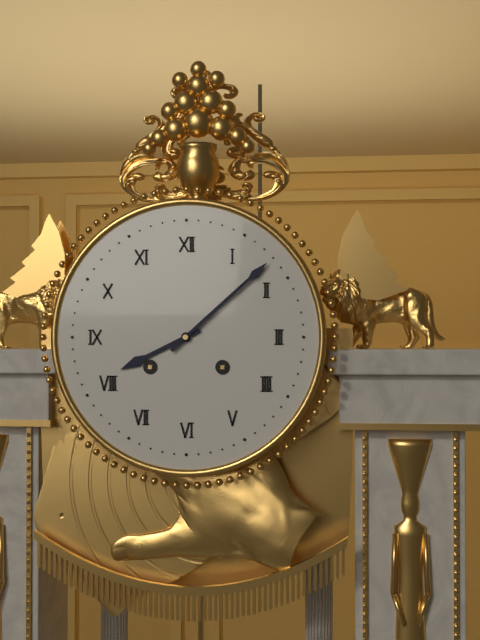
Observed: 8 h 08 min
